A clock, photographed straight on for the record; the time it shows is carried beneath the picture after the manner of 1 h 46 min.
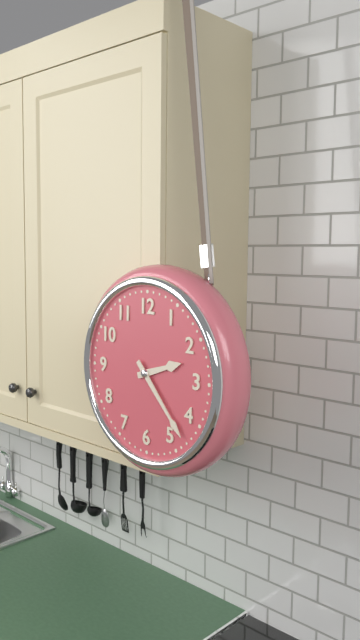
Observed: 2 h 23 min
